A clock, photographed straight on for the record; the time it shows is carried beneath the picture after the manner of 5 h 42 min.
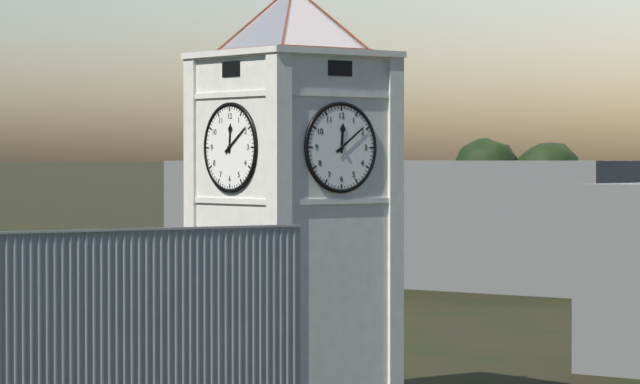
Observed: 12 h 09 min
